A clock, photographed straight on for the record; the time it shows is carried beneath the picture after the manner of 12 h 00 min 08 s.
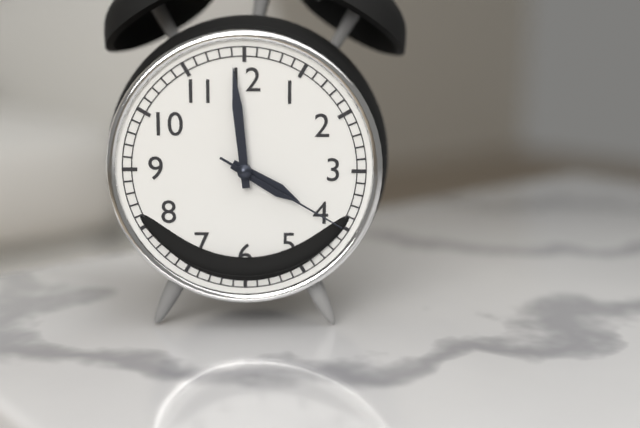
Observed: 3 h 59 min 20 s
